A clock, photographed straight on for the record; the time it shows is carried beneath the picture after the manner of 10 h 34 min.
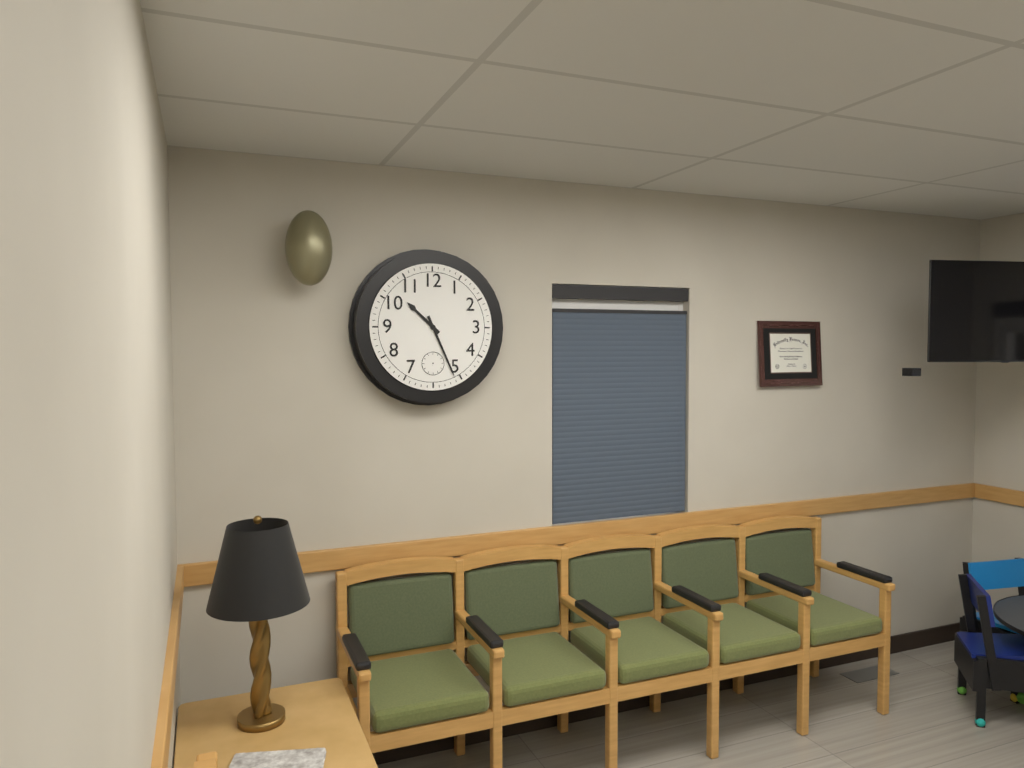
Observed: 10 h 26 min
